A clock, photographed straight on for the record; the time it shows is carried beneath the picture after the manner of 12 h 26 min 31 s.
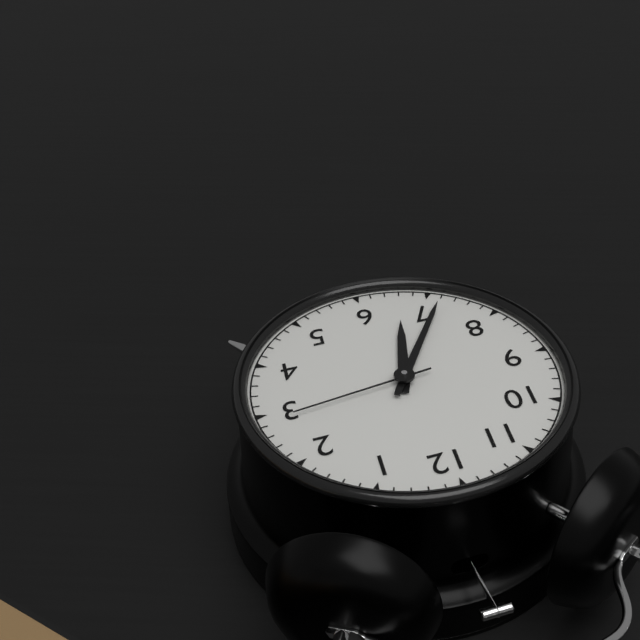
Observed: 6 h 36 min 14 s
